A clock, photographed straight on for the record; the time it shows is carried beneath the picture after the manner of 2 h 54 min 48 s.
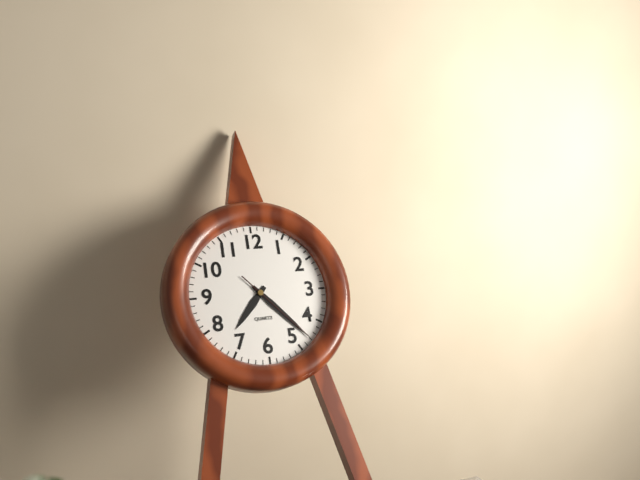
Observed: 7 h 23 min 23 s
